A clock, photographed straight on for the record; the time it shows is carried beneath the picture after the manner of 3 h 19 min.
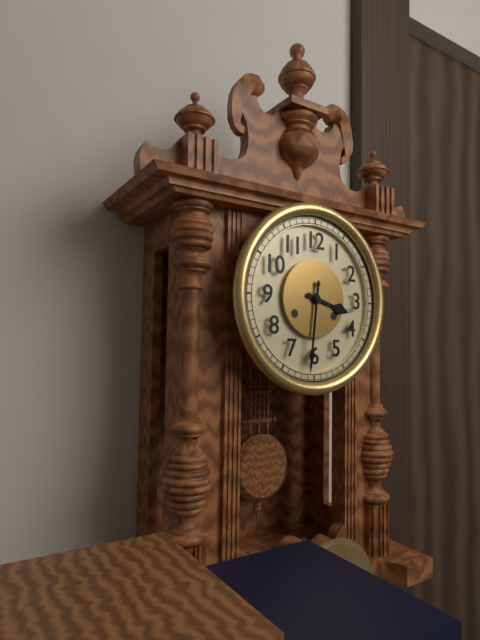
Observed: 3 h 31 min
